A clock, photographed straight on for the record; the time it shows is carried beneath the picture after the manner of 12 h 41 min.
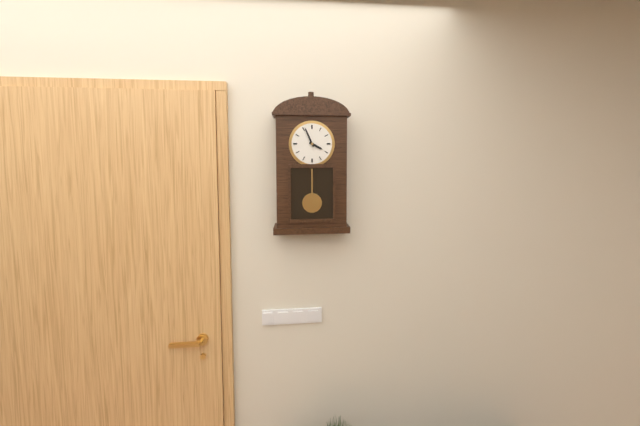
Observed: 3 h 56 min
